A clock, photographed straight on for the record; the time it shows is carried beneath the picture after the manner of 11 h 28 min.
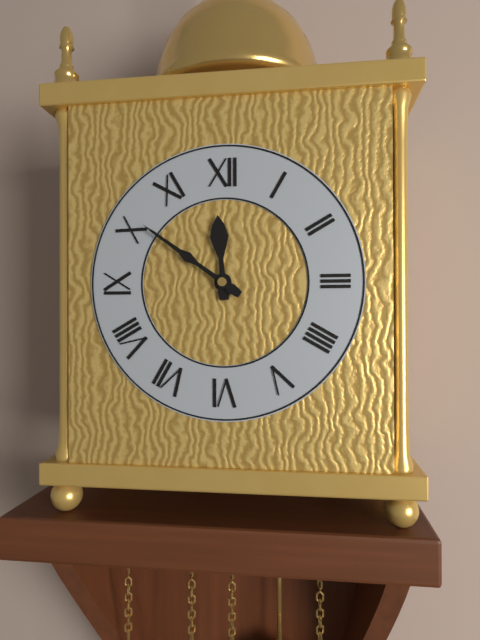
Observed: 11 h 51 min
